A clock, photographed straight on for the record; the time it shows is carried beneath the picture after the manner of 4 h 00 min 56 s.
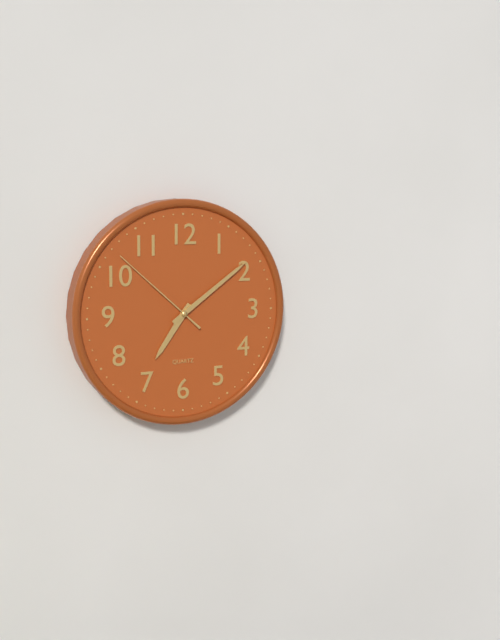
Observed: 7 h 09 min 52 s
